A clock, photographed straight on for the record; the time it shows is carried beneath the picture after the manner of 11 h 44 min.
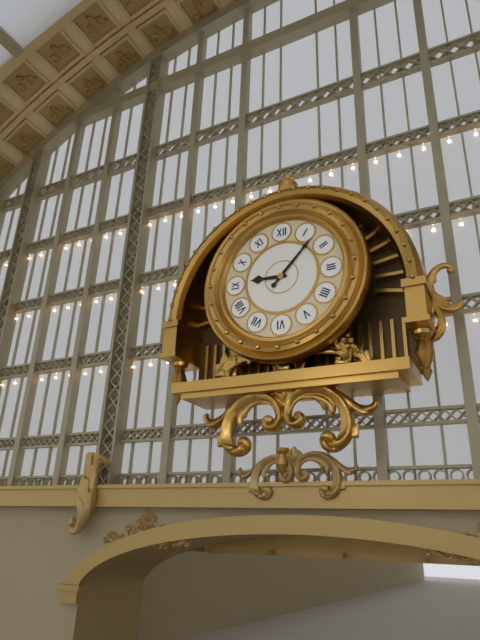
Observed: 9 h 07 min
